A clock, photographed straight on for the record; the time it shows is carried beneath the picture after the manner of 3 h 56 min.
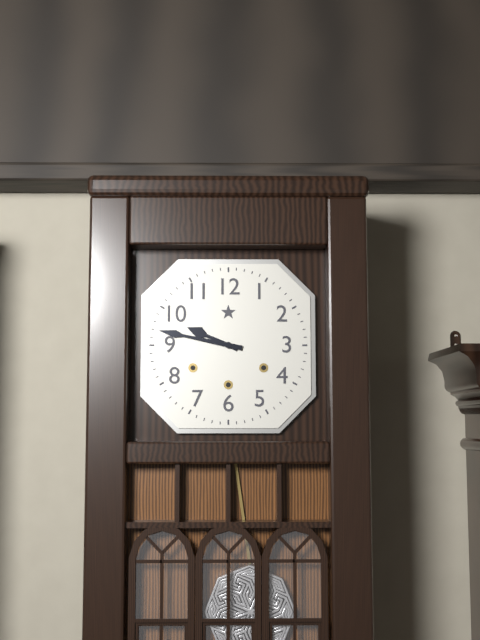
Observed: 9 h 47 min
